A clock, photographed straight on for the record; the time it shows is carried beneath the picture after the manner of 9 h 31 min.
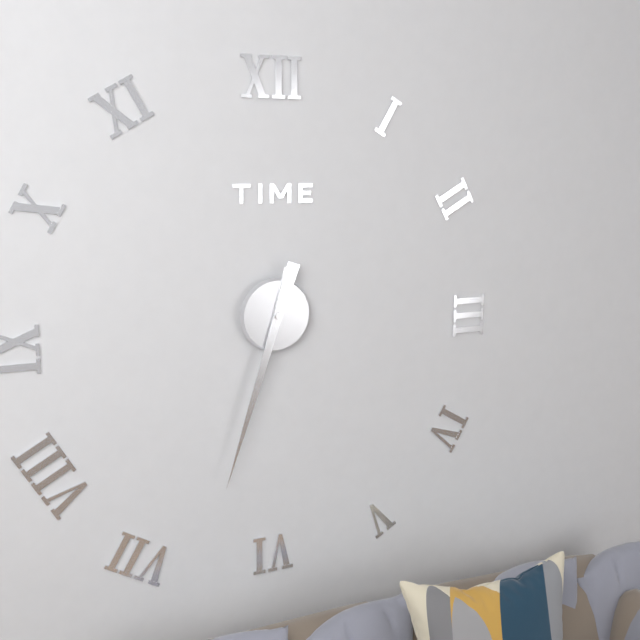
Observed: 6 h 33 min
